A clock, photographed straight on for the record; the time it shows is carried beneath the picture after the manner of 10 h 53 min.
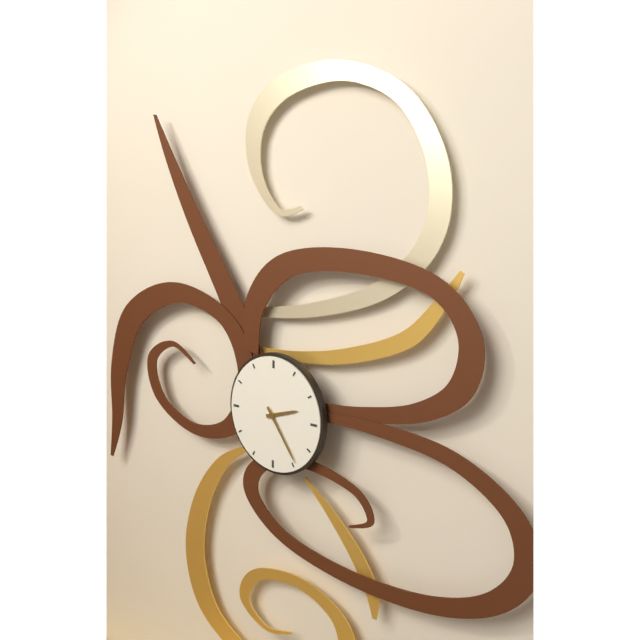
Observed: 2 h 24 min
